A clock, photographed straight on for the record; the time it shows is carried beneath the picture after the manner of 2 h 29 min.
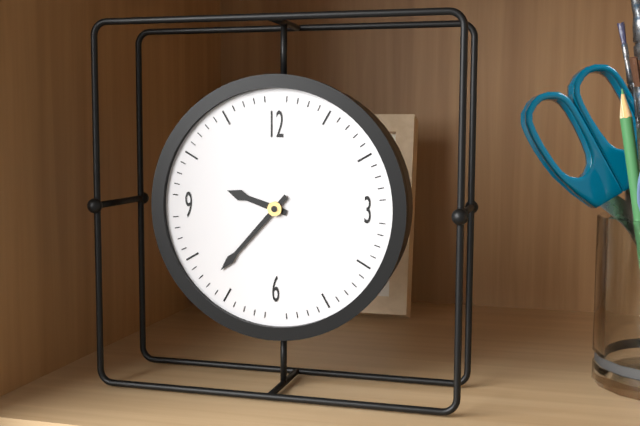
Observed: 9 h 37 min
